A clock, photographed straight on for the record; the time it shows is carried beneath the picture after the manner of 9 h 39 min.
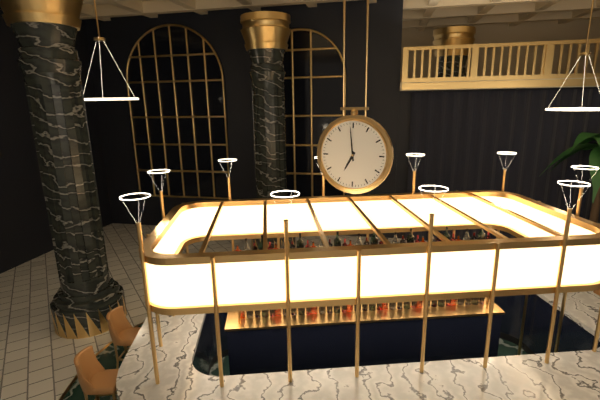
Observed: 6 h 59 min
